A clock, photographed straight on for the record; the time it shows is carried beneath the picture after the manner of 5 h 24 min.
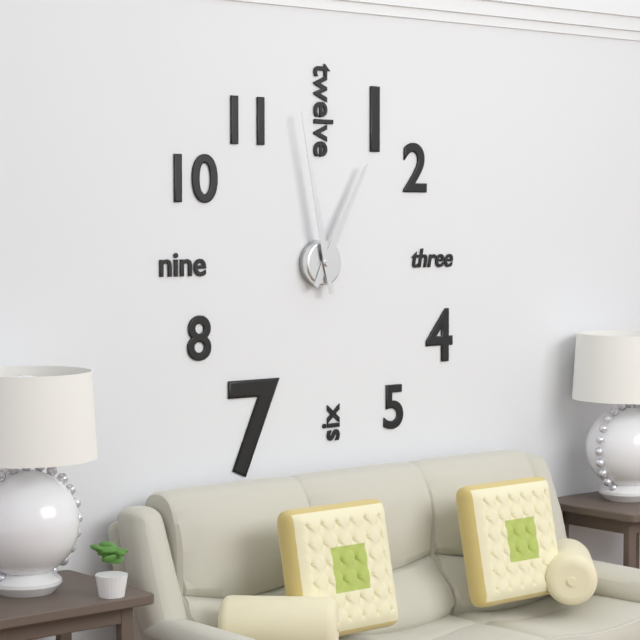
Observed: 12 h 58 min
